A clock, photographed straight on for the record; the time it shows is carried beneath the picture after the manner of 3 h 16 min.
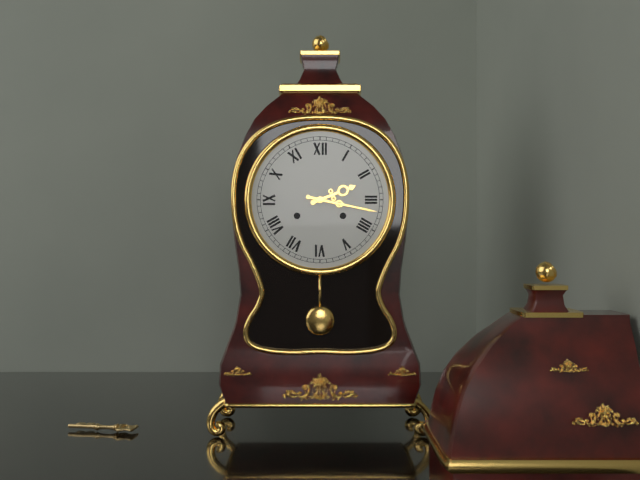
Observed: 2 h 17 min
